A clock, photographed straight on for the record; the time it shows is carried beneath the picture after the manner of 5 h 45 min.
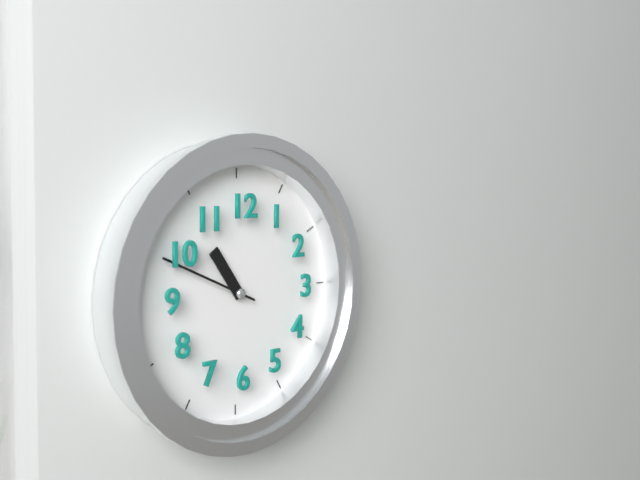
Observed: 10 h 49 min
